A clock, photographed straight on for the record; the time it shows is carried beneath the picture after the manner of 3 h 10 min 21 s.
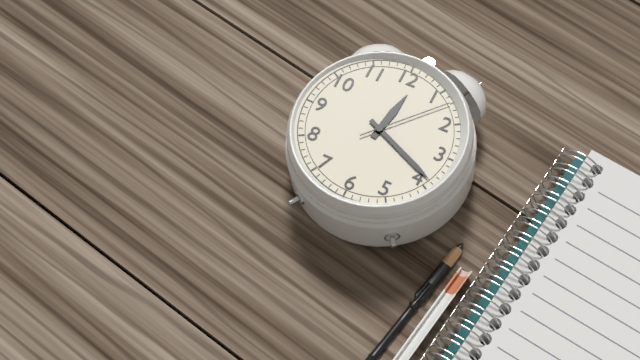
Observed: 12 h 19 min 07 s
